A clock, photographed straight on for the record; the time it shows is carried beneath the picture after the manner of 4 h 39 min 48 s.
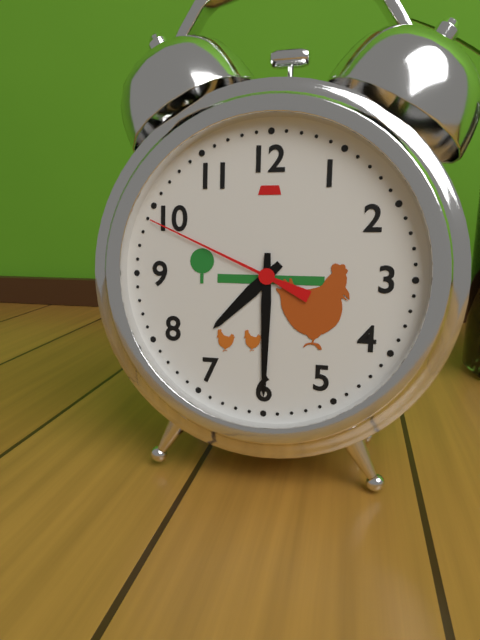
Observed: 7 h 30 min 49 s
